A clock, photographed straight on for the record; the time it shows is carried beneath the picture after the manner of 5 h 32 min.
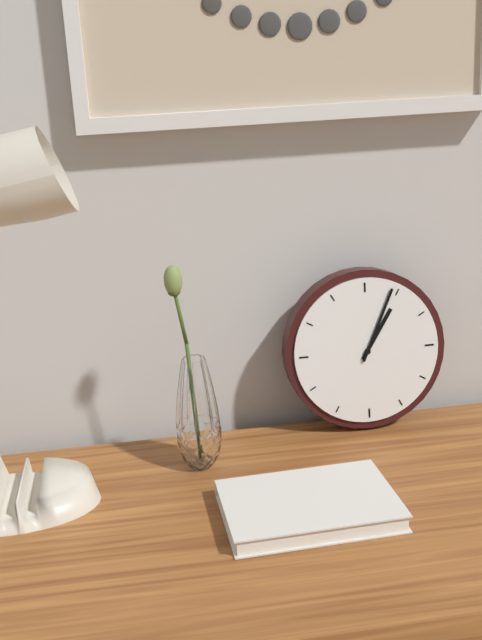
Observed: 1 h 04 min
